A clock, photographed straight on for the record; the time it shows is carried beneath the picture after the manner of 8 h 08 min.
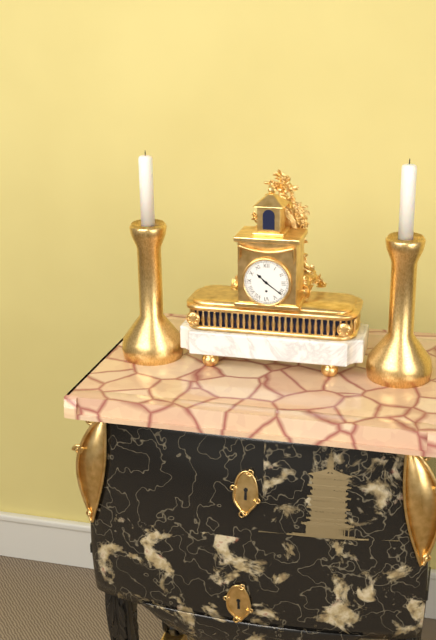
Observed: 10 h 21 min
